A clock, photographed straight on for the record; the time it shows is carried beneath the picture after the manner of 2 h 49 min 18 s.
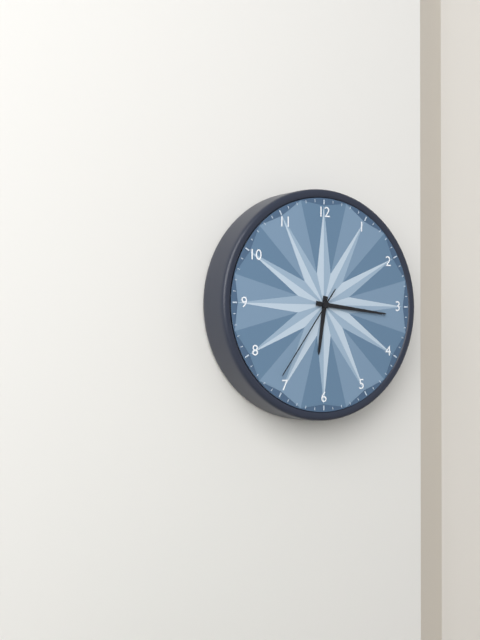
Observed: 6 h 16 min 36 s
